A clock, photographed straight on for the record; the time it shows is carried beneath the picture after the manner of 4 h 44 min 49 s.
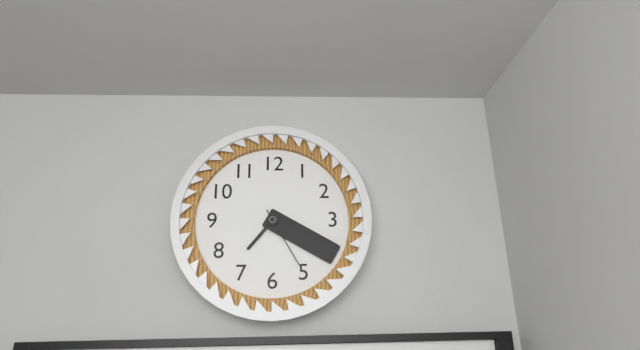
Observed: 7 h 20 min 25 s
